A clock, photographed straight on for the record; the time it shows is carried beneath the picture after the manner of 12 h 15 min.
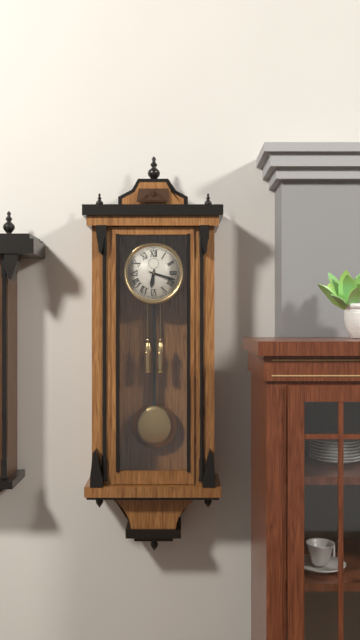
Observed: 6 h 18 min
